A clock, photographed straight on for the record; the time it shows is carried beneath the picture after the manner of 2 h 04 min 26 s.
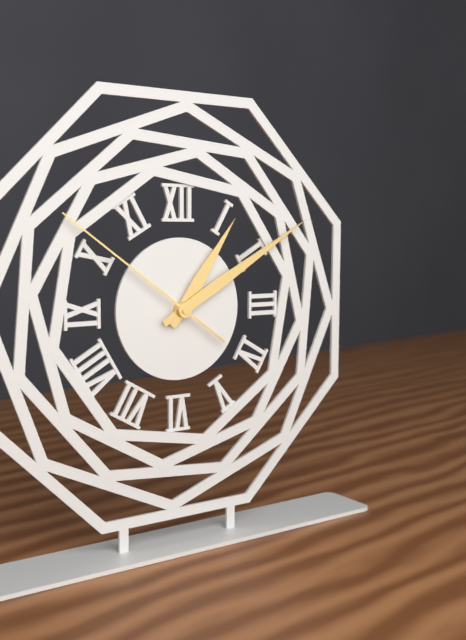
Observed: 1 h 10 min 51 s
